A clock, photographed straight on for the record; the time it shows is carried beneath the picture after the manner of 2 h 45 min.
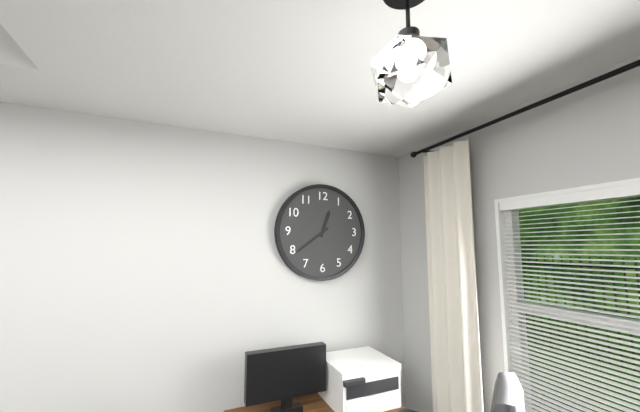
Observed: 12 h 39 min
